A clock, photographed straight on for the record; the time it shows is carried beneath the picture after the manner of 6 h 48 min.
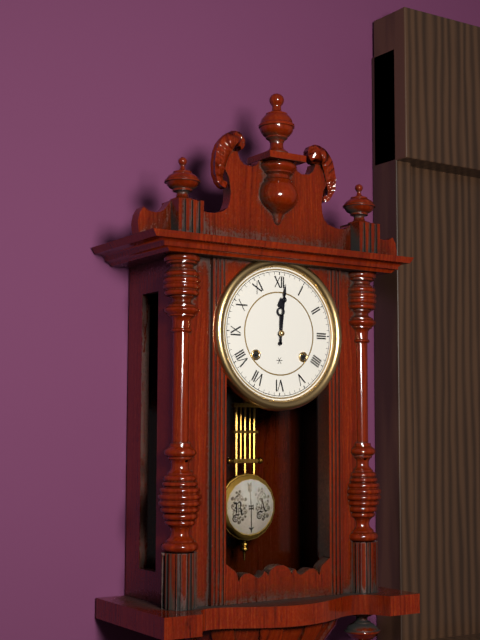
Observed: 12 h 01 min
